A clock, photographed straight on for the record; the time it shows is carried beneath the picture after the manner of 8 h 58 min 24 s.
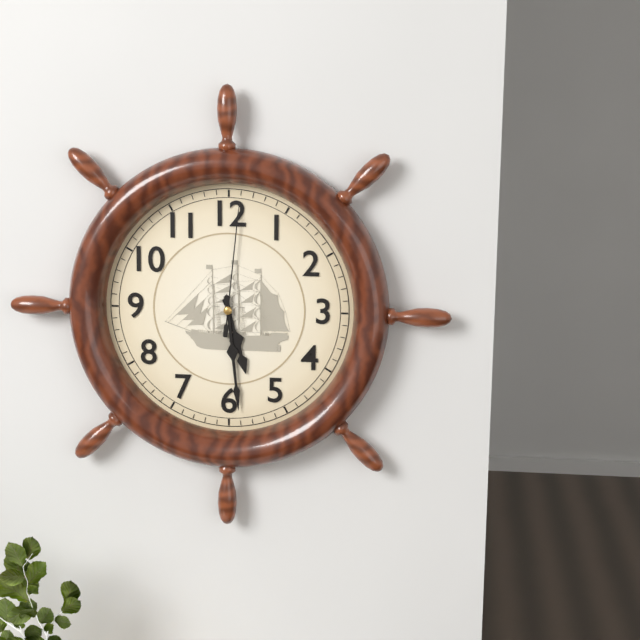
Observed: 5 h 29 min 01 s
